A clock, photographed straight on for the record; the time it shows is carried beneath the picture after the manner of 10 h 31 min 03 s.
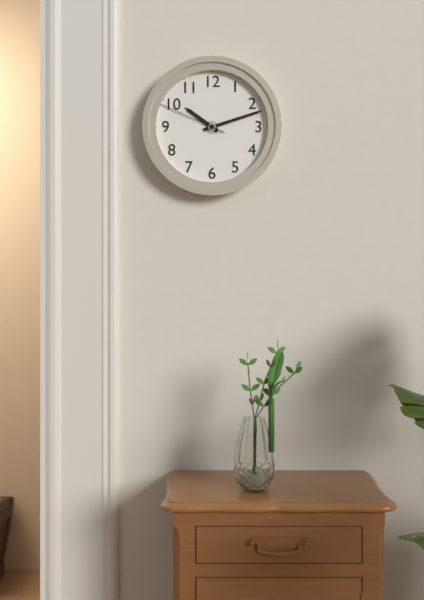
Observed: 10 h 12 min 49 s
